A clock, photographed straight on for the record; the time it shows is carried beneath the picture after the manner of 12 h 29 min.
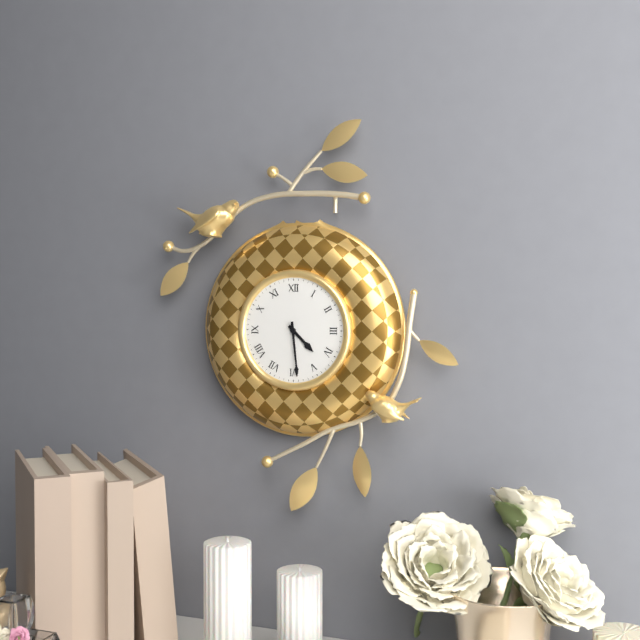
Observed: 4 h 29 min
